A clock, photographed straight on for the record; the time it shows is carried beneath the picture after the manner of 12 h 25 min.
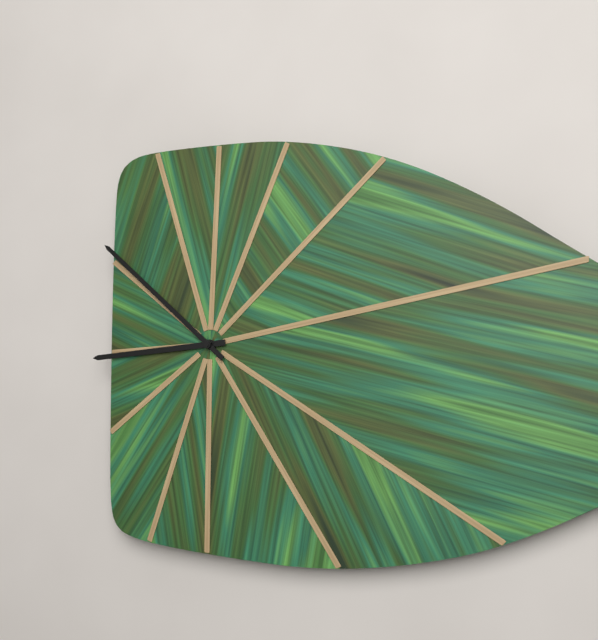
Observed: 8 h 52 min
